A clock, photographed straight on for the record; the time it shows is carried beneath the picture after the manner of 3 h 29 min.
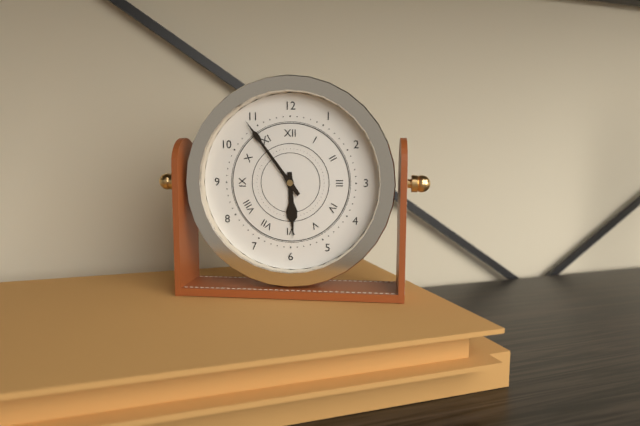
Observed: 5 h 54 min
